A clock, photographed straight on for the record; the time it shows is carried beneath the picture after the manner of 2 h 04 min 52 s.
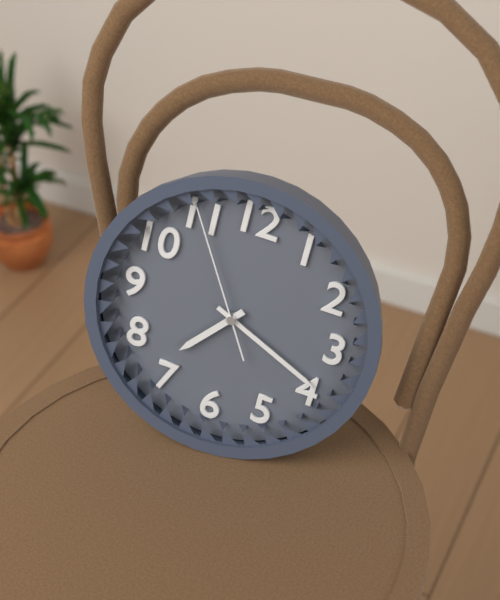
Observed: 7 h 19 min 55 s
